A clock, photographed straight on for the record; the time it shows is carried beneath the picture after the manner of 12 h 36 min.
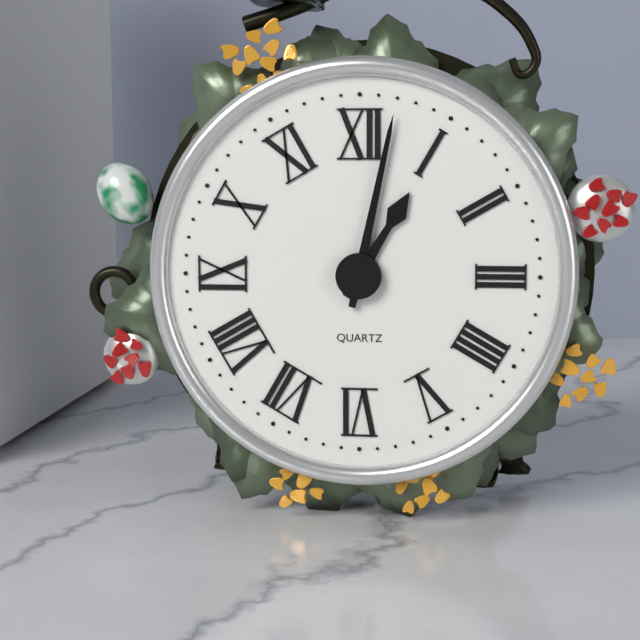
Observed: 1 h 02 min
